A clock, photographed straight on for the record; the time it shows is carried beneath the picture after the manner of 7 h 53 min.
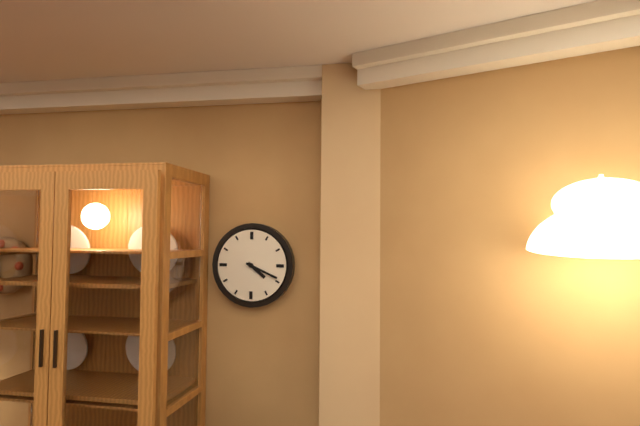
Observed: 4 h 19 min
